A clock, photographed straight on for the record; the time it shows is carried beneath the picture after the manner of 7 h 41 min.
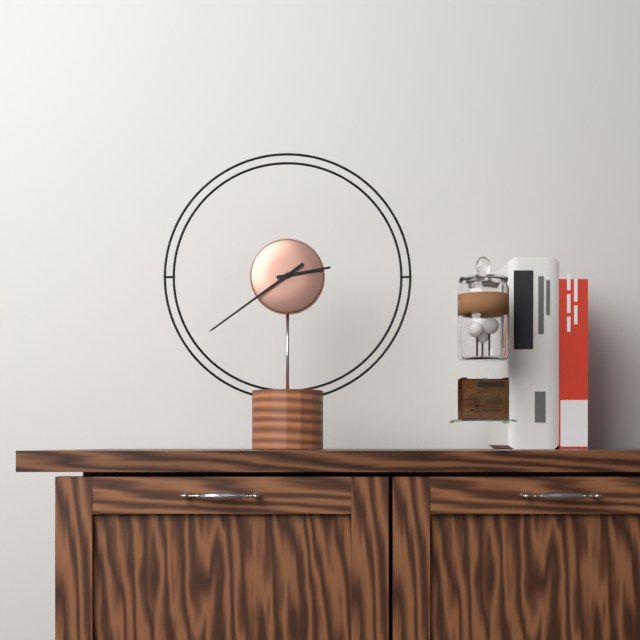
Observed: 2 h 39 min
